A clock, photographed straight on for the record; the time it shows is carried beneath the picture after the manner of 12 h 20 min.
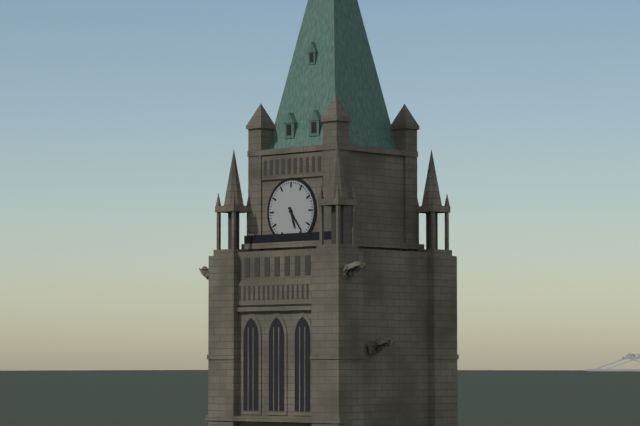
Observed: 5 h 24 min
